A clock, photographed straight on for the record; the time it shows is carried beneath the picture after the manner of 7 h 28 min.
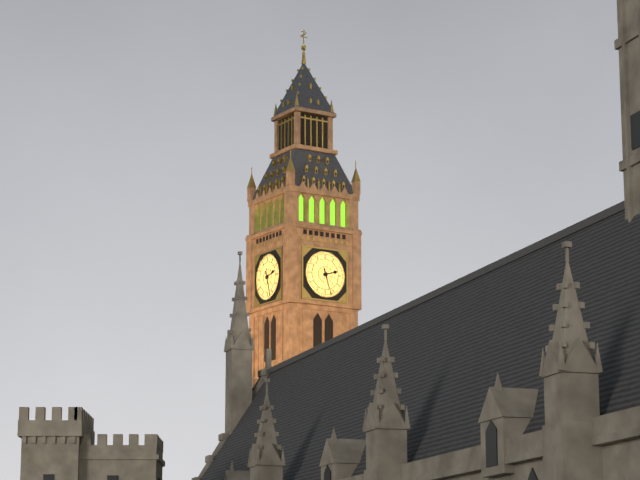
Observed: 2 h 27 min
